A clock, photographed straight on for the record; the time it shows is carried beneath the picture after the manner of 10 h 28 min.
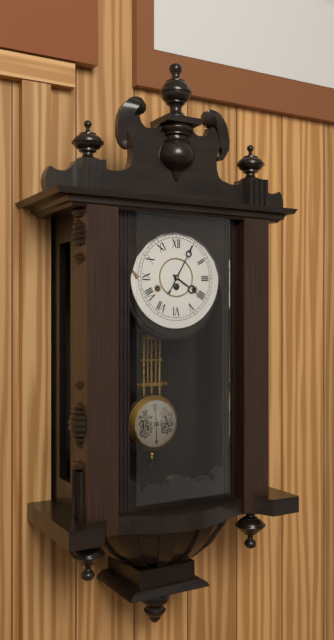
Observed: 4 h 05 min
